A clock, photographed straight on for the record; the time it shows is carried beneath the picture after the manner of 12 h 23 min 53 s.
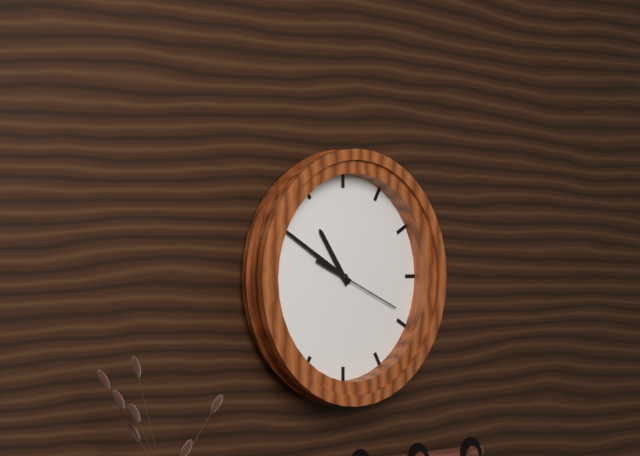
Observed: 10 h 50 min 19 s
